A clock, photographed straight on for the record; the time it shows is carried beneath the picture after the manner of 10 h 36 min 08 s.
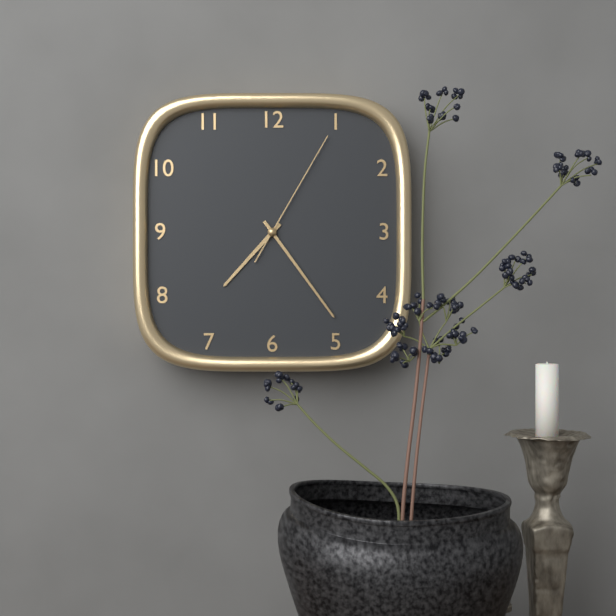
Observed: 7 h 24 min 05 s
